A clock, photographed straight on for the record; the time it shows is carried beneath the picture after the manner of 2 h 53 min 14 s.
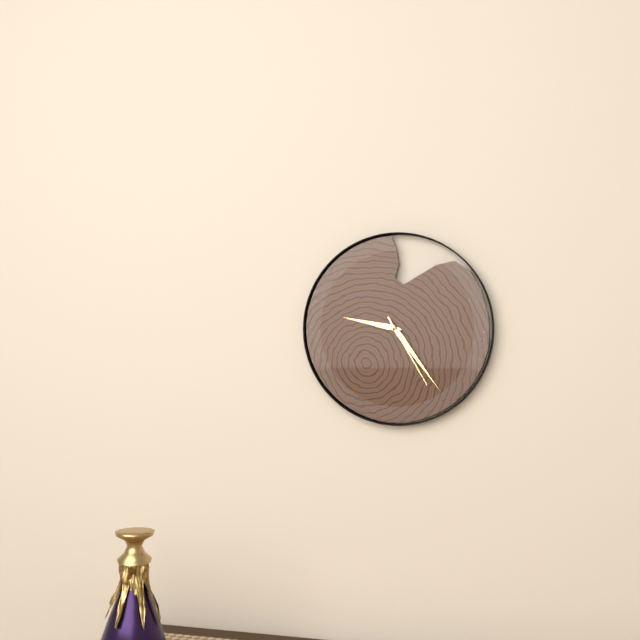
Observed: 9 h 24 min 25 s
